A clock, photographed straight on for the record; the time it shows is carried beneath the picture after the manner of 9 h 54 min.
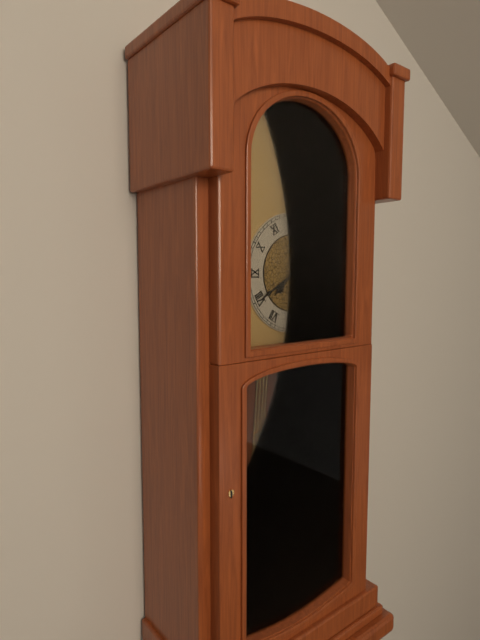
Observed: 7 h 40 min
